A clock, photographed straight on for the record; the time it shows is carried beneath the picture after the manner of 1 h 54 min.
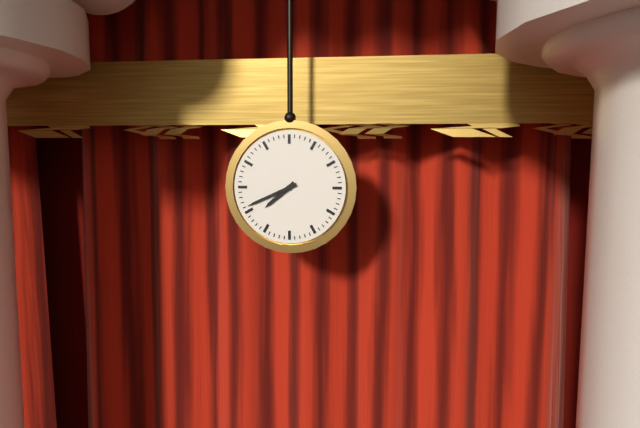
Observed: 7 h 41 min
